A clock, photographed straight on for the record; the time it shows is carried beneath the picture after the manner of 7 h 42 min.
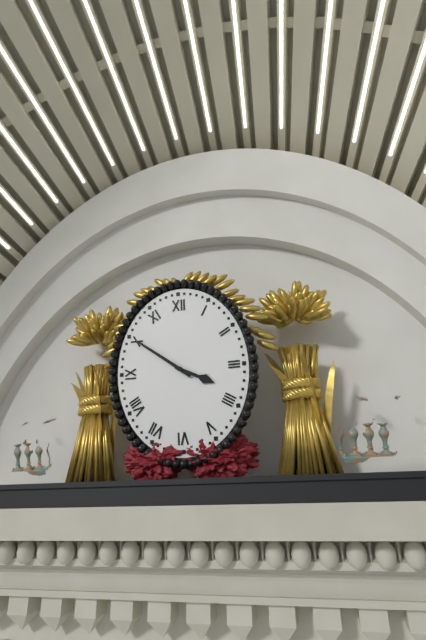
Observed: 3 h 51 min
